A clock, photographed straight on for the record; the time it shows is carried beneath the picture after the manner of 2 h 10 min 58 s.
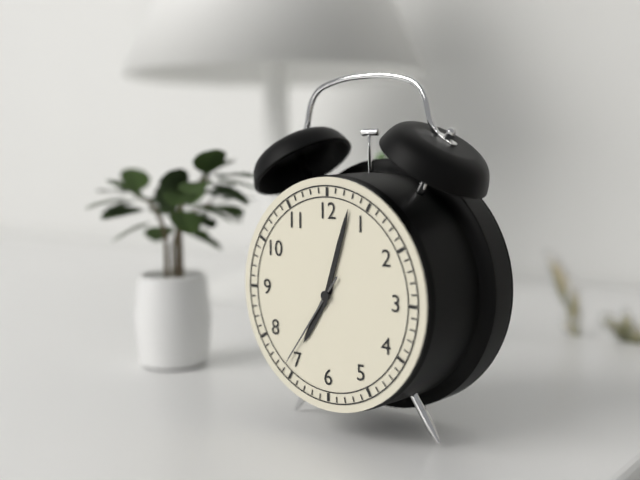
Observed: 7 h 03 min 36 s
